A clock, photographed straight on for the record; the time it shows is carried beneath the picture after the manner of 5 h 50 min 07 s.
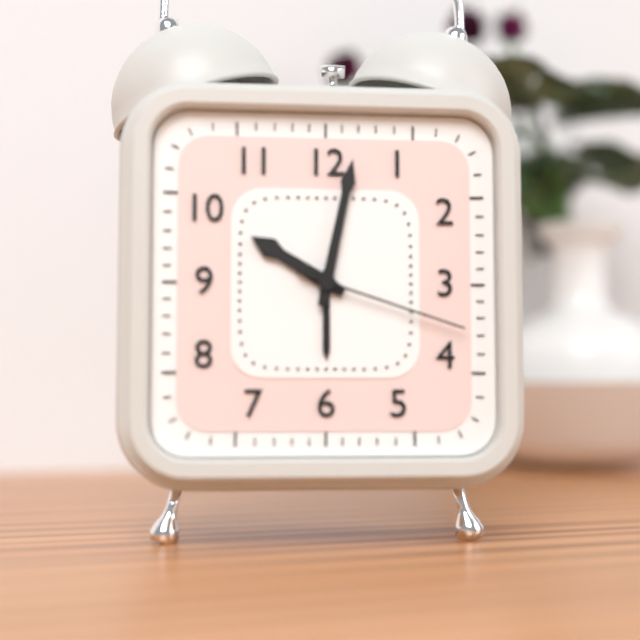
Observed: 10 h 02 min 18 s
